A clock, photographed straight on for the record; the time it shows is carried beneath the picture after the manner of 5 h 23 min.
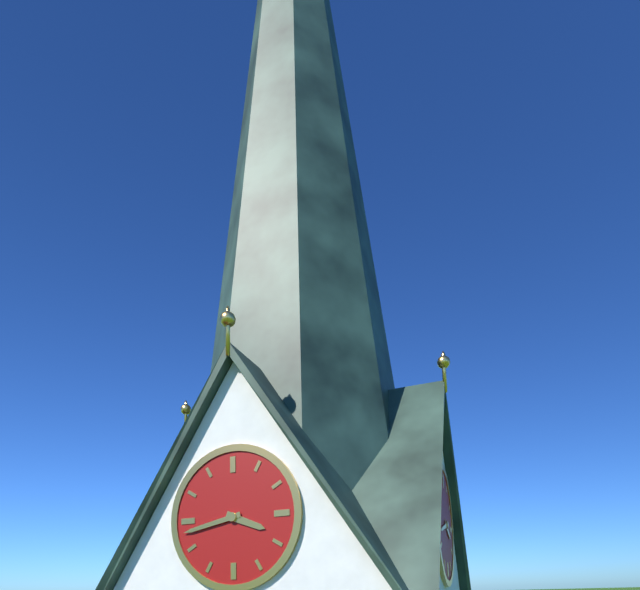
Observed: 3 h 43 min
